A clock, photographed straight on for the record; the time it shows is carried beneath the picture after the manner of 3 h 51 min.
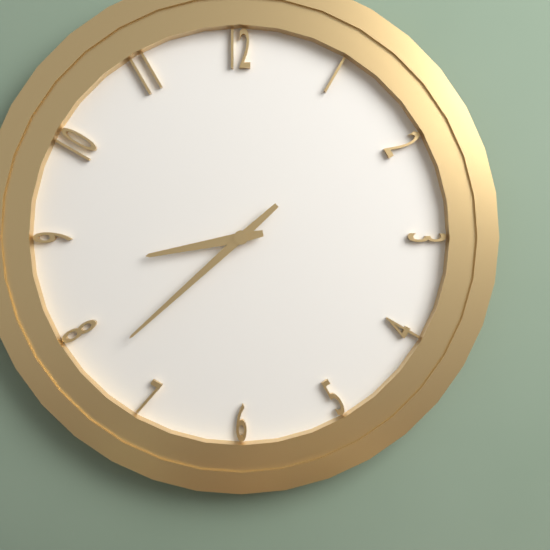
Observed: 8 h 38 min
